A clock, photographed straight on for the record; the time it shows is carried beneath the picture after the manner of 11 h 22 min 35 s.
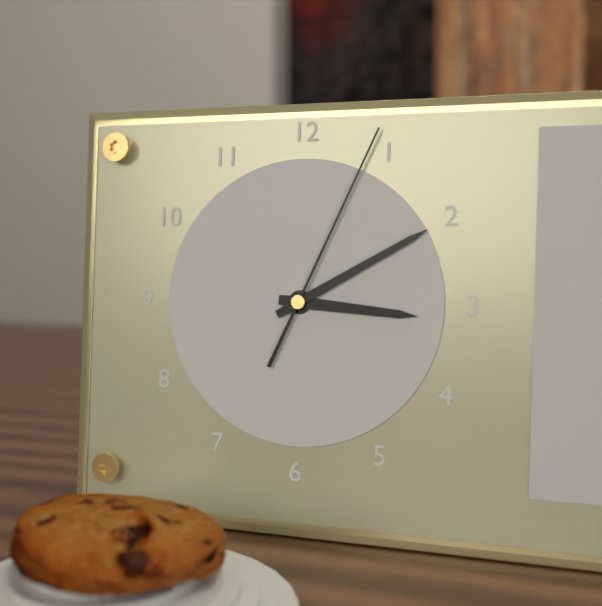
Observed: 3 h 10 min 04 s
